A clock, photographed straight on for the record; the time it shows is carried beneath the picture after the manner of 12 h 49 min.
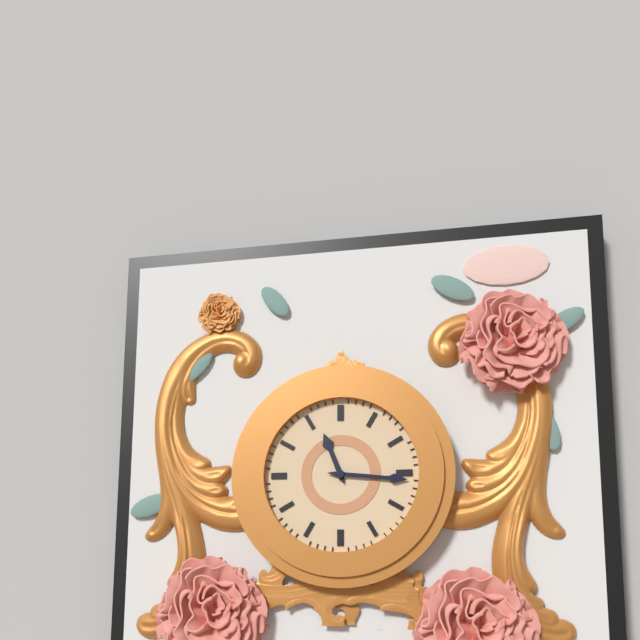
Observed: 11 h 16 min
